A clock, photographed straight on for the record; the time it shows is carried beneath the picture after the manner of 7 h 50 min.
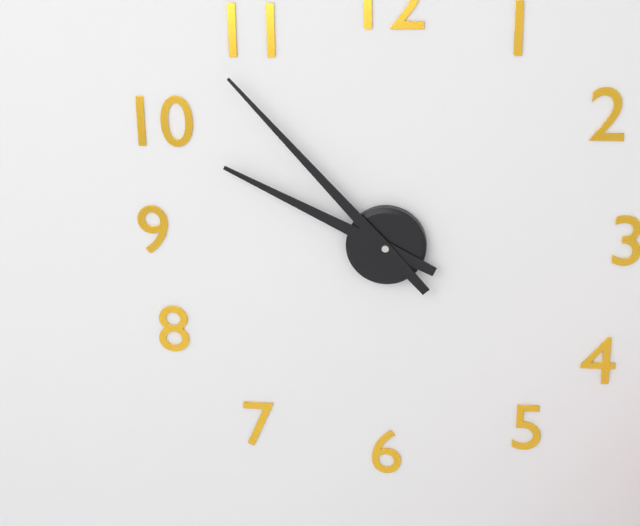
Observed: 9 h 53 min
